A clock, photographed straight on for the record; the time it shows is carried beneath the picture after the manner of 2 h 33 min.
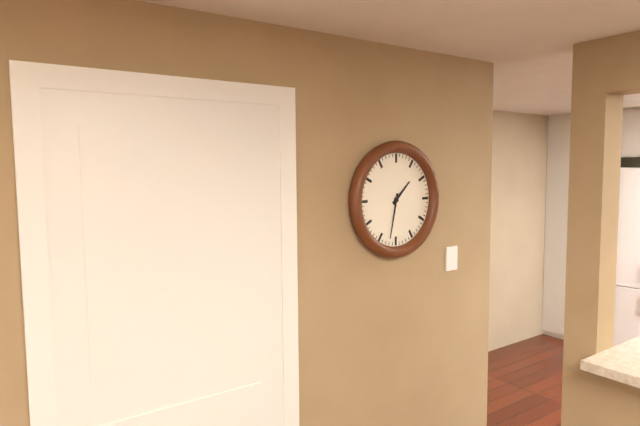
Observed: 1 h 32 min
